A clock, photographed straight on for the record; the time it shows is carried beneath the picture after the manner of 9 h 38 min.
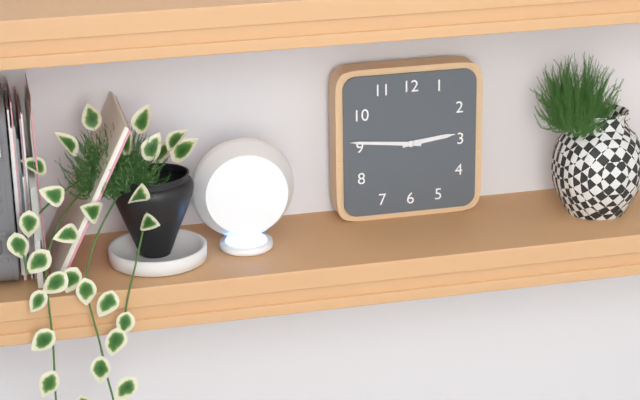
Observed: 2 h 46 min
